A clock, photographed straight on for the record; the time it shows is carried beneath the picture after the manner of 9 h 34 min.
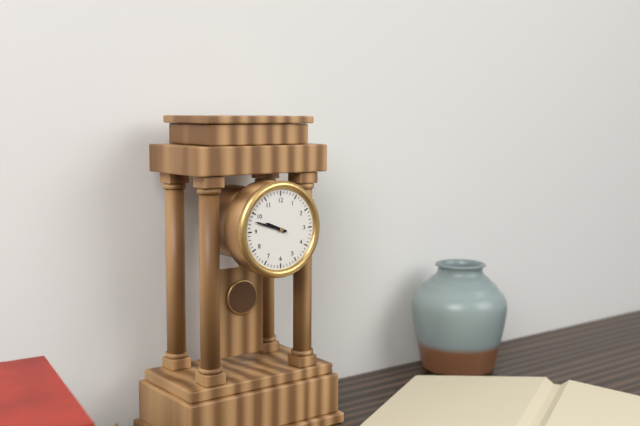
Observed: 9 h 48 min
